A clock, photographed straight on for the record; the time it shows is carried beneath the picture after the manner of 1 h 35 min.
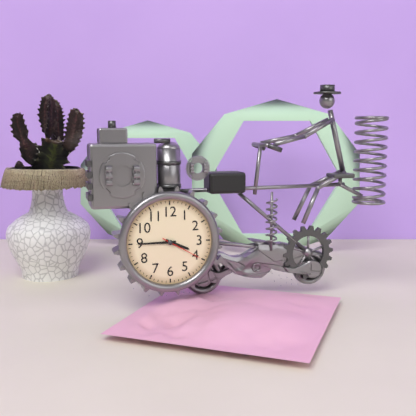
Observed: 3 h 45 min
